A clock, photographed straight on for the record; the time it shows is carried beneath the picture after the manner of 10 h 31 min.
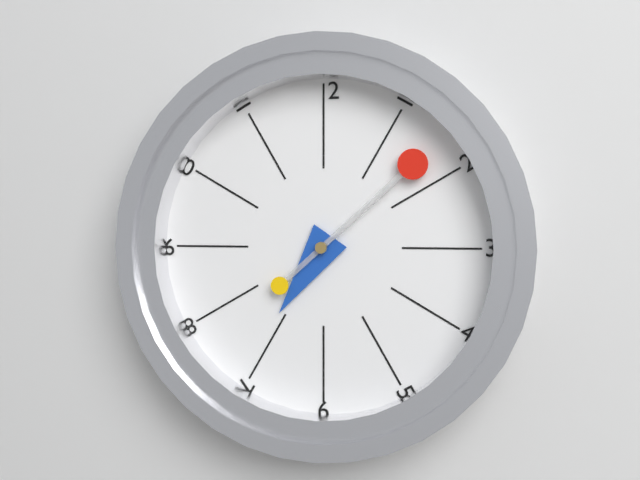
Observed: 7 h 08 min
